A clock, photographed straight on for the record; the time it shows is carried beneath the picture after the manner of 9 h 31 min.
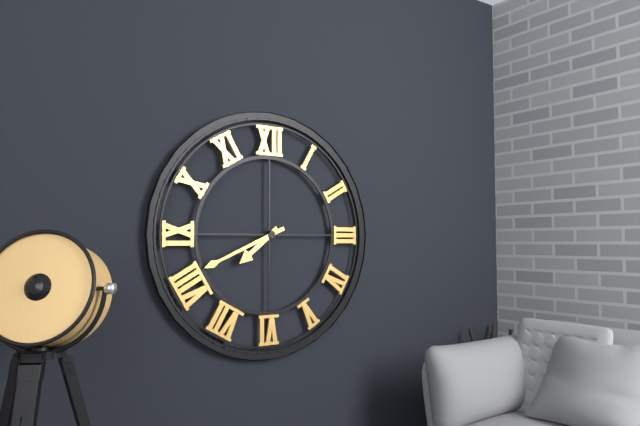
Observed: 7 h 41 min
